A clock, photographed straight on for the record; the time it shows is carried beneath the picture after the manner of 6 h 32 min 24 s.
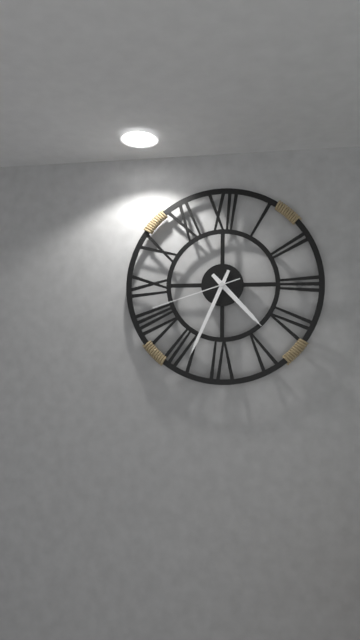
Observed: 4 h 34 min 42 s
